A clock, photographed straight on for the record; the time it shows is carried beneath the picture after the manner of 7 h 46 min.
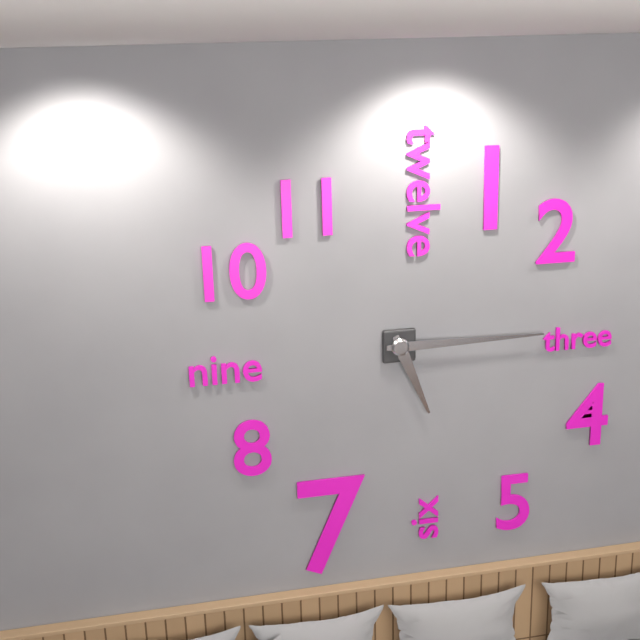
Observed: 5 h 15 min
